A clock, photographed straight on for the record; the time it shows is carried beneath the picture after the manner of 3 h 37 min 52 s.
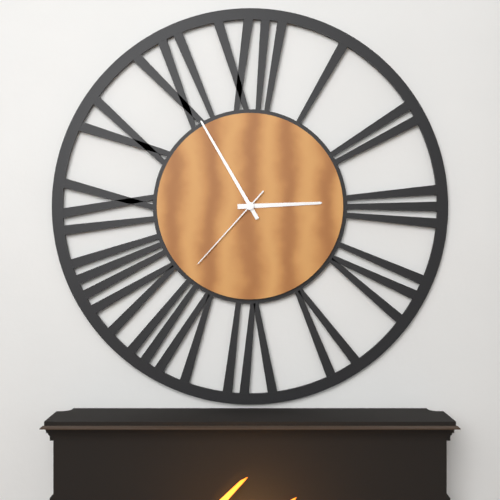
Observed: 2 h 55 min 37 s
